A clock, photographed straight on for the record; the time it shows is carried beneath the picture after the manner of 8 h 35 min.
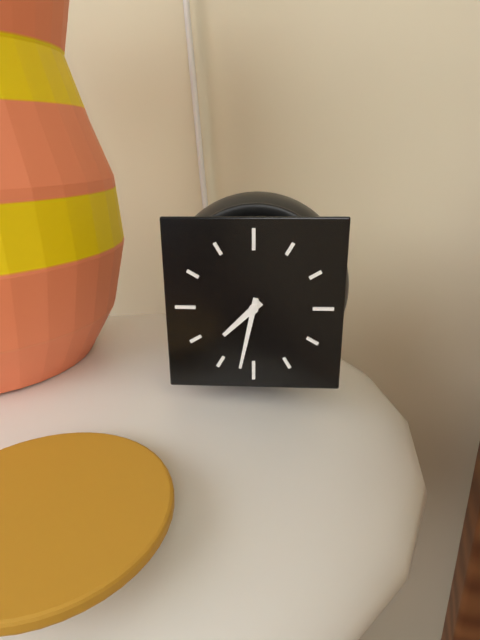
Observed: 7 h 32 min
